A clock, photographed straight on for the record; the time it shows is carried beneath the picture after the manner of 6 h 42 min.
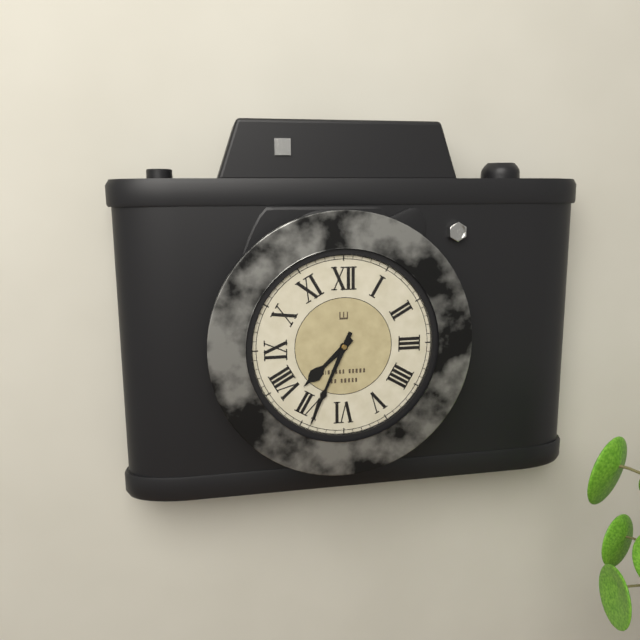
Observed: 7 h 34 min
